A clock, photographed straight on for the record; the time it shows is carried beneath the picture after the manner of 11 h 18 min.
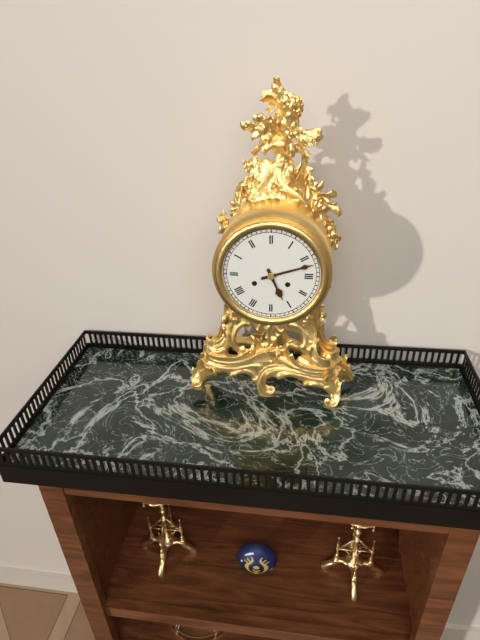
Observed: 5 h 12 min
